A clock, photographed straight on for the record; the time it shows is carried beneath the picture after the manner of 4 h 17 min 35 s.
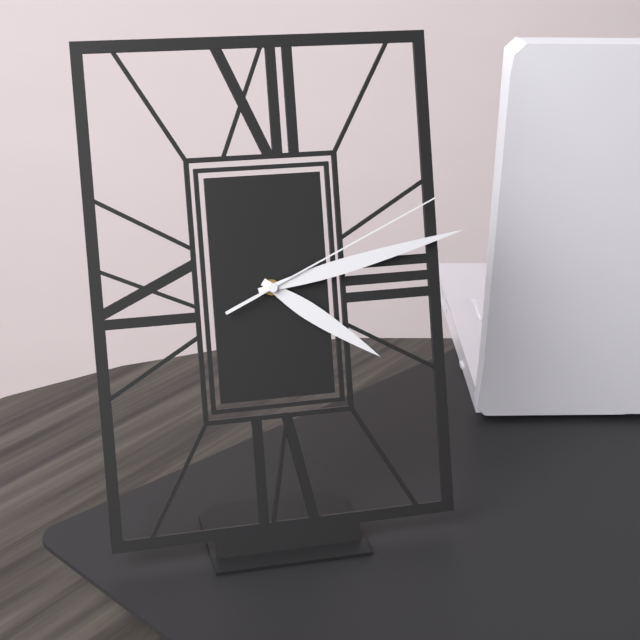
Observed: 4 h 13 min 11 s
